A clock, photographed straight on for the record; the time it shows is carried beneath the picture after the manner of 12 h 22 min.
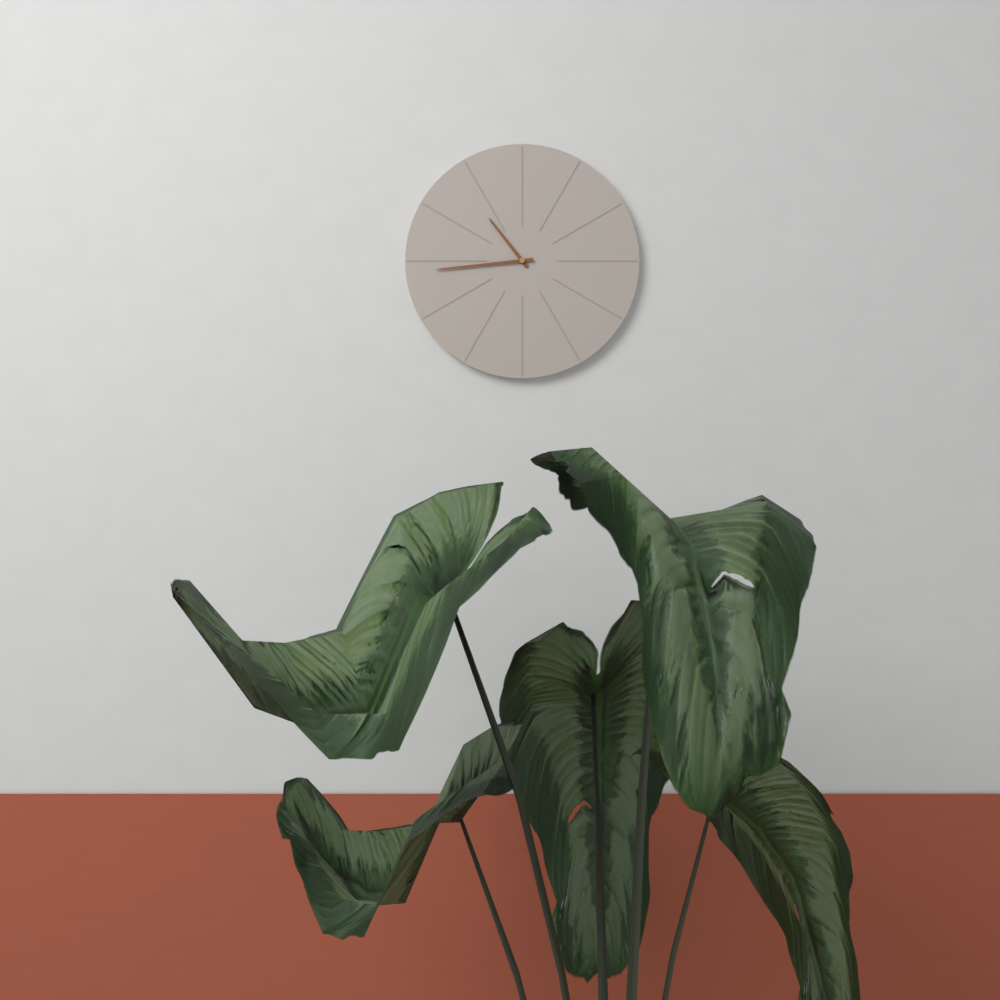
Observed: 10 h 44 min
